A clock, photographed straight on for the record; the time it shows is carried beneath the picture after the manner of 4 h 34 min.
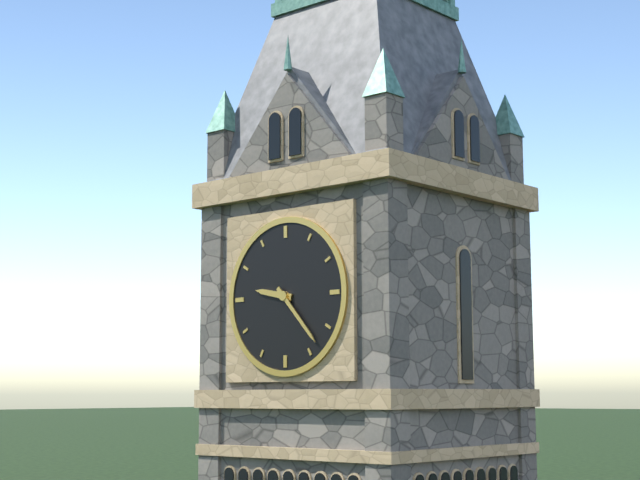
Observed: 9 h 23 min
